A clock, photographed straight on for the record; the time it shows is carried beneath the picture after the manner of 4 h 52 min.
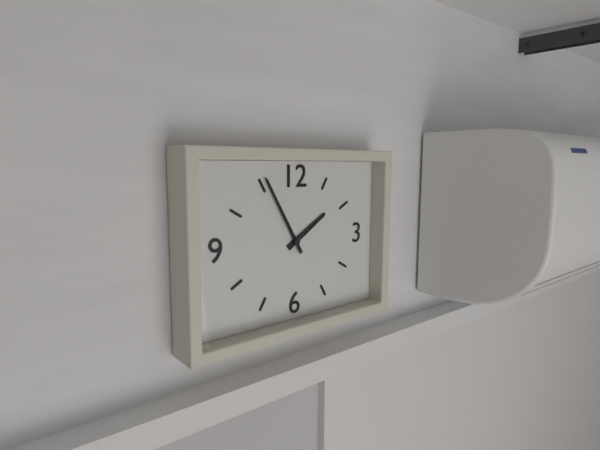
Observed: 1 h 55 min
